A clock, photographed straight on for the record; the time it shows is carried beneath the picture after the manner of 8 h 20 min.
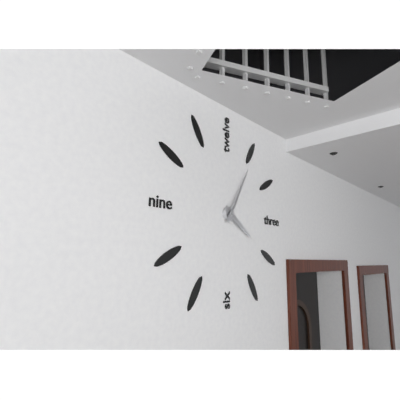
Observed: 4 h 05 min
